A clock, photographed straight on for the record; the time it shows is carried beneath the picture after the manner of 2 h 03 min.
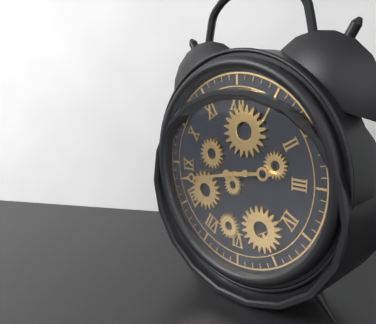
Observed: 2 h 43 min
